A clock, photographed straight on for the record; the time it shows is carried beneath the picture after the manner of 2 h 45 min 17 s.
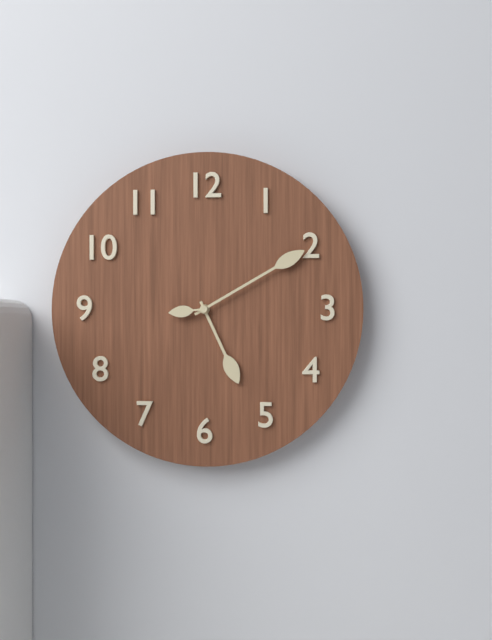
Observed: 5 h 10 min 44 s
